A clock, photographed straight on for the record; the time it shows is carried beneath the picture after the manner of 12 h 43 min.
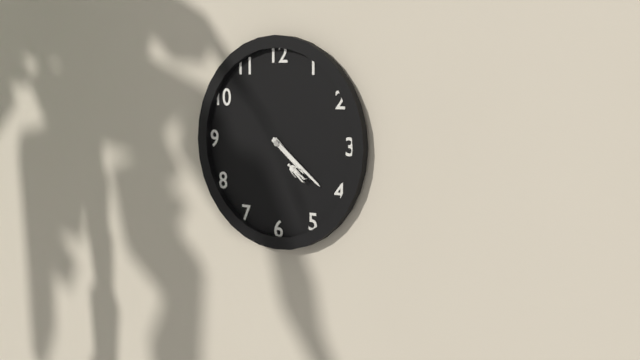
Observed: 4 h 21 min
